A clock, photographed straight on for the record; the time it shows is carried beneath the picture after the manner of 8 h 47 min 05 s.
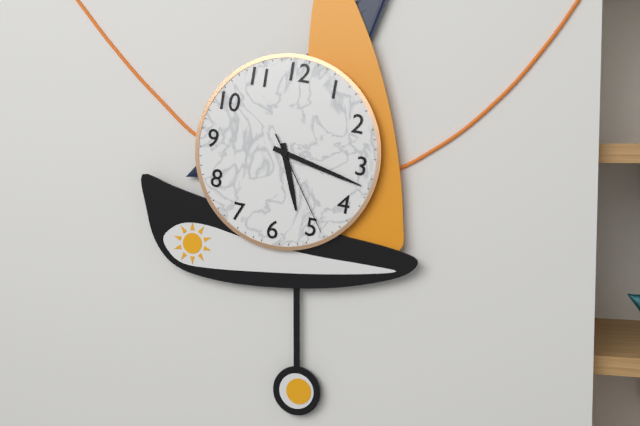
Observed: 5 h 17 min 24 s
